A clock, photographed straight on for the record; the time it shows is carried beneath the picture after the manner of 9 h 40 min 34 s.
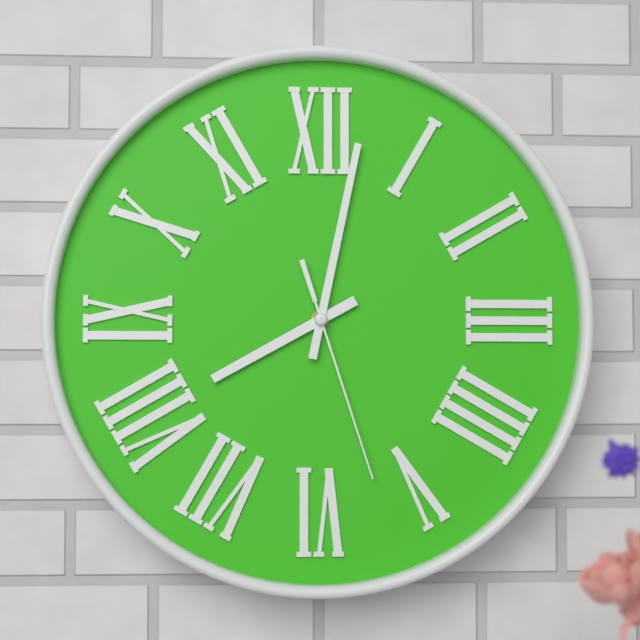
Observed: 8 h 02 min 27 s
